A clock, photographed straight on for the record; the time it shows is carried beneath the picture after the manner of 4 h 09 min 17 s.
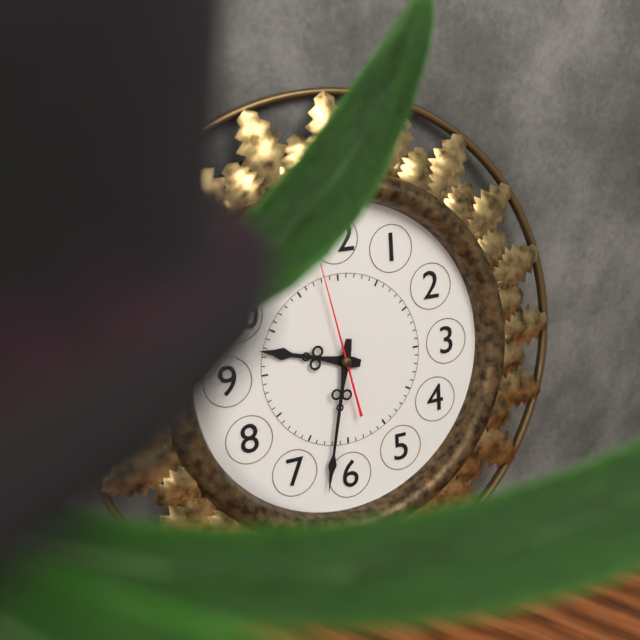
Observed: 9 h 32 min 58 s
